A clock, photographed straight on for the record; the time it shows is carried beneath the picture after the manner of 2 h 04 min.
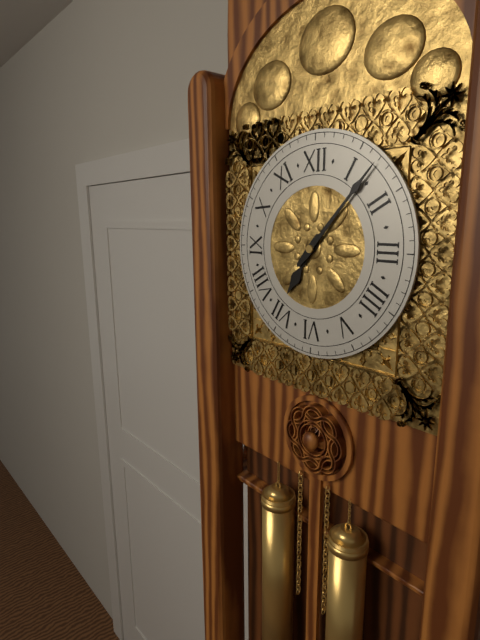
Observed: 7 h 07 min
